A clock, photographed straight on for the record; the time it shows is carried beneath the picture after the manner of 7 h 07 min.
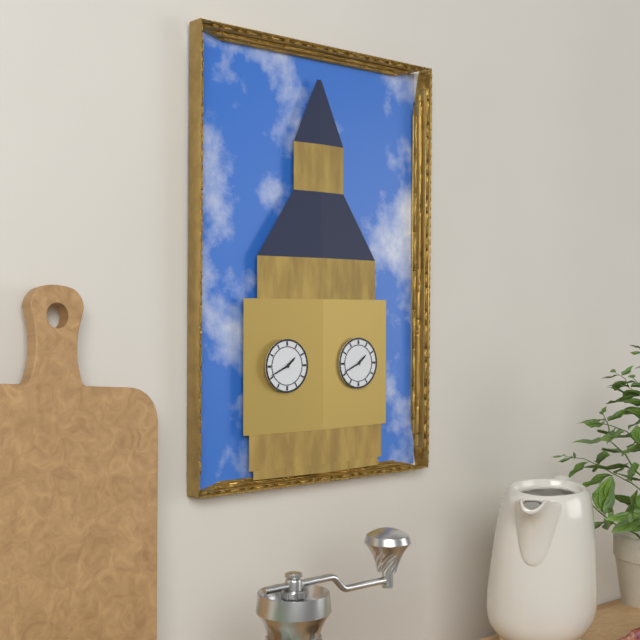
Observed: 1 h 41 min
